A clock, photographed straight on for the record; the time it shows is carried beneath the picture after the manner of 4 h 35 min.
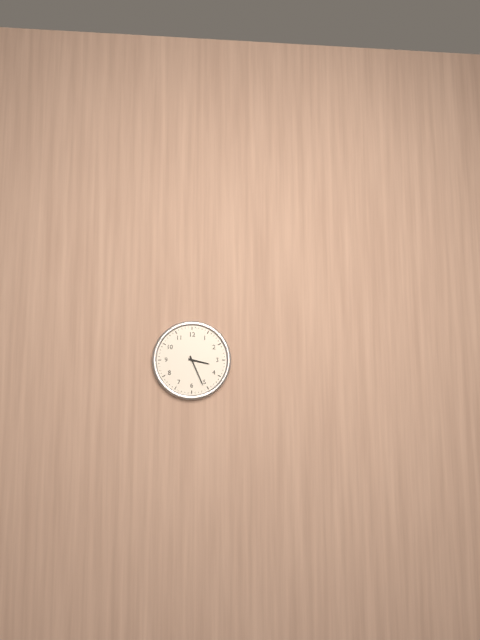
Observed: 3 h 26 min
